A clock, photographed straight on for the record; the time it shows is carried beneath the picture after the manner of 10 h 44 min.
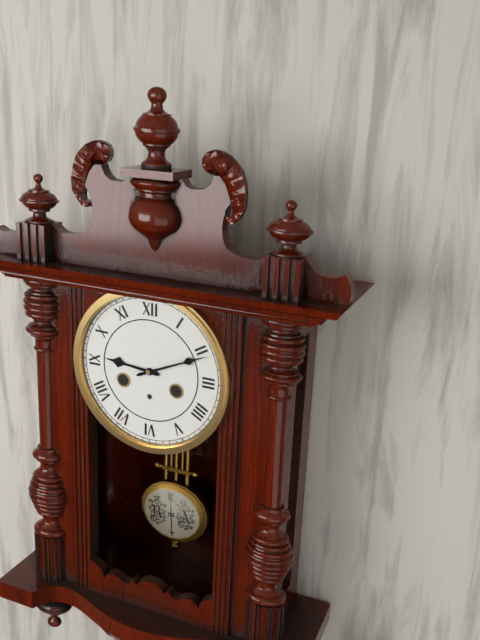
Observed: 9 h 11 min
